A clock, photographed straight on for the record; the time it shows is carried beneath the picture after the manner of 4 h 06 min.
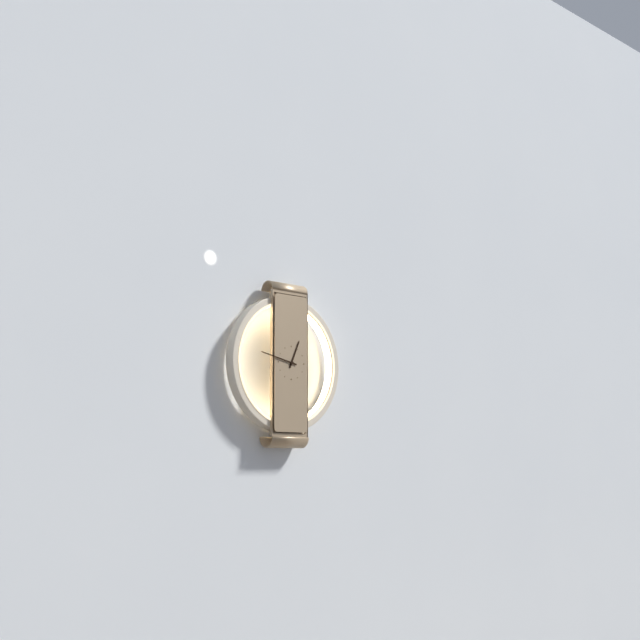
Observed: 12 h 47 min
